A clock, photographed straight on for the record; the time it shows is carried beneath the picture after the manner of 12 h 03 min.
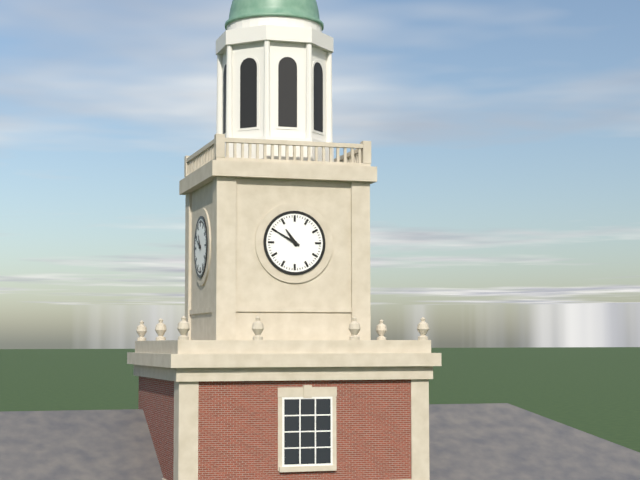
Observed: 10 h 50 min
